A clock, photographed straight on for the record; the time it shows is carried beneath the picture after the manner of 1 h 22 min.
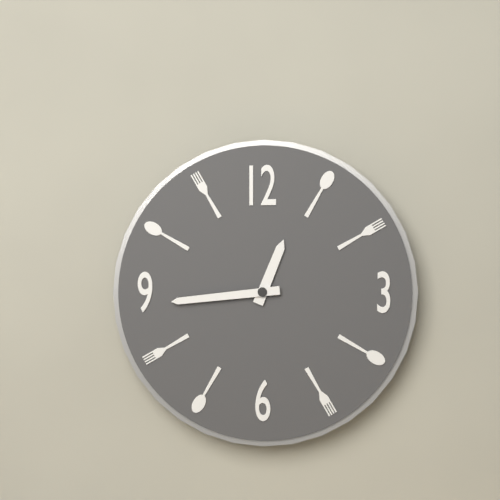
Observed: 12 h 44 min
